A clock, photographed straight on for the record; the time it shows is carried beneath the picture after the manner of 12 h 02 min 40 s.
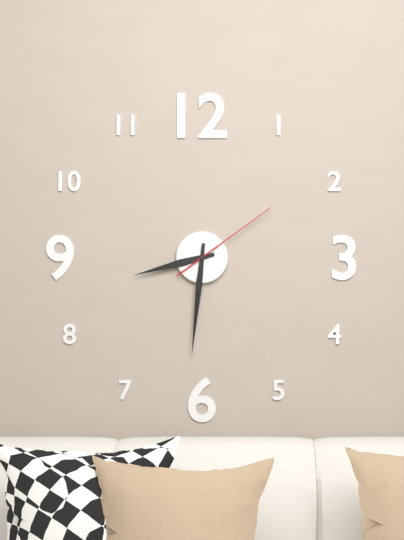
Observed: 8 h 31 min 09 s
